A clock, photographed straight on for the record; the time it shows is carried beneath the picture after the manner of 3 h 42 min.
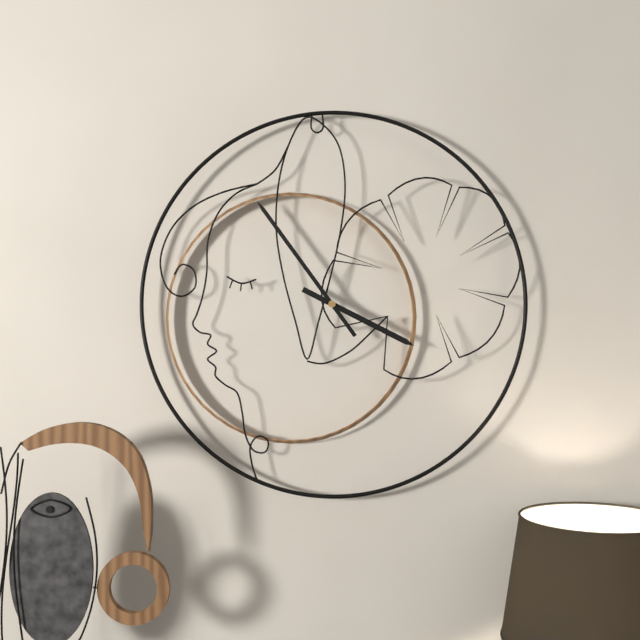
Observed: 3 h 54 min
